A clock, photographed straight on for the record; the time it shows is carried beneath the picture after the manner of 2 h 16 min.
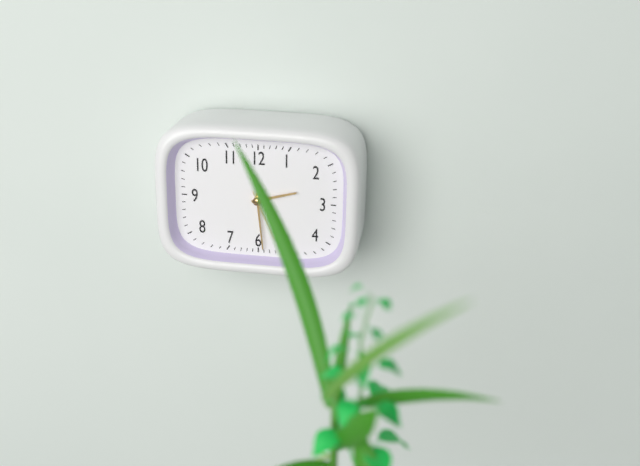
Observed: 2 h 29 min
